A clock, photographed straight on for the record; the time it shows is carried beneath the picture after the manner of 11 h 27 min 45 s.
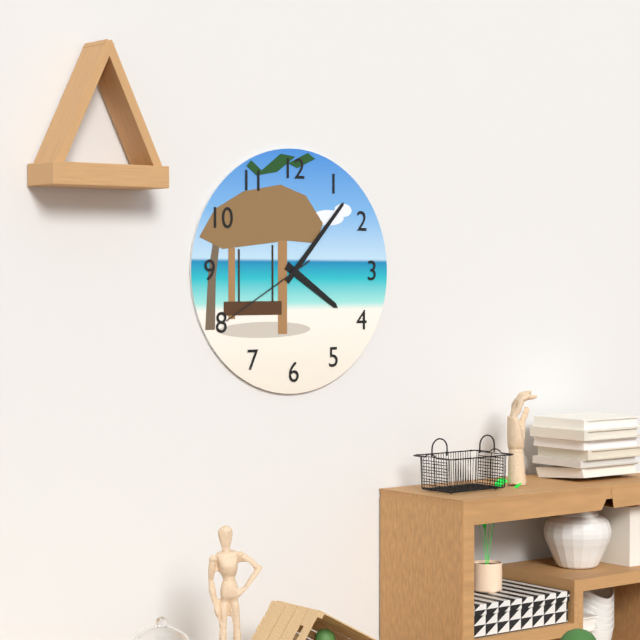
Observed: 4 h 07 min 40 s
